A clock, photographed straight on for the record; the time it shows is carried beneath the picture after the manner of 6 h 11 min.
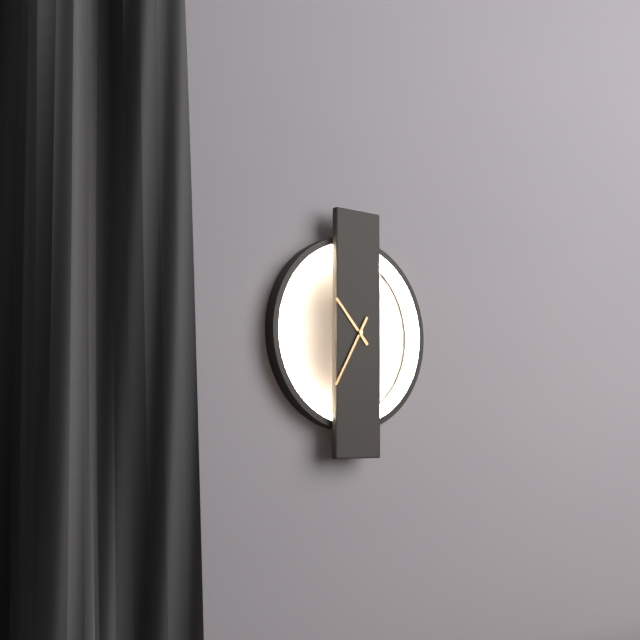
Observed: 10 h 35 min
